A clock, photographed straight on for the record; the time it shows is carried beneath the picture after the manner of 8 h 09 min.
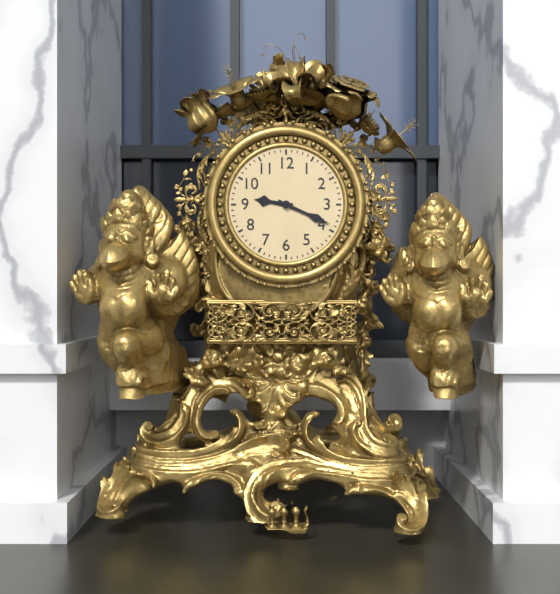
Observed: 9 h 19 min
